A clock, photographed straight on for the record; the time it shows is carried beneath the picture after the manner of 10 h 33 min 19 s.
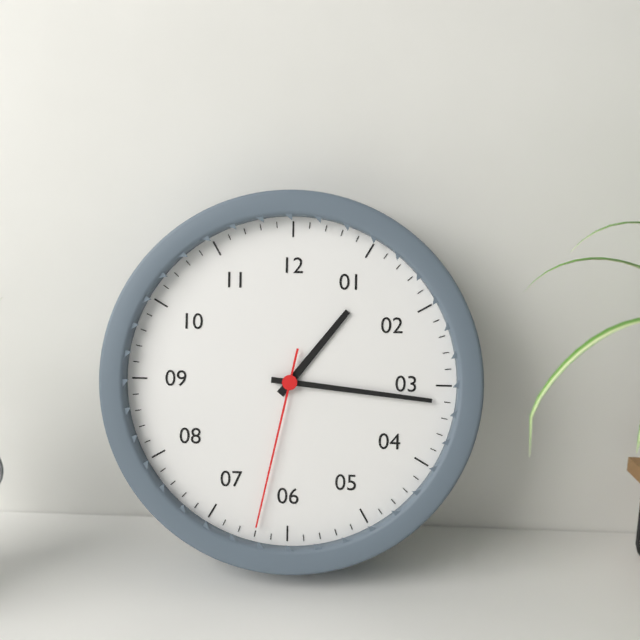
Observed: 1 h 16 min 32 s
